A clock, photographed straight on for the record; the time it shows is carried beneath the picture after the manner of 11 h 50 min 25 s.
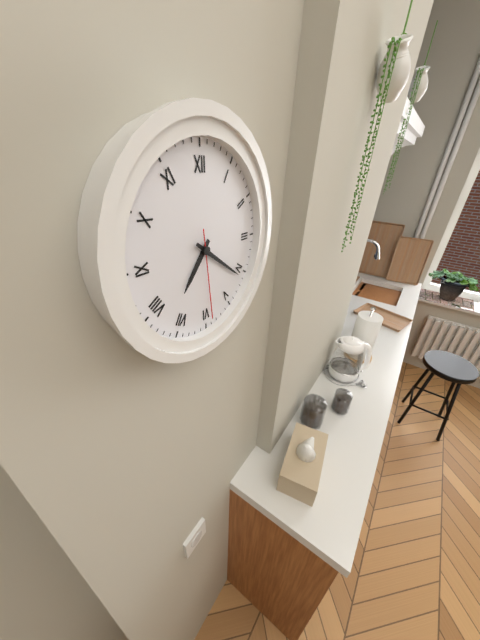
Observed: 7 h 21 min 29 s
